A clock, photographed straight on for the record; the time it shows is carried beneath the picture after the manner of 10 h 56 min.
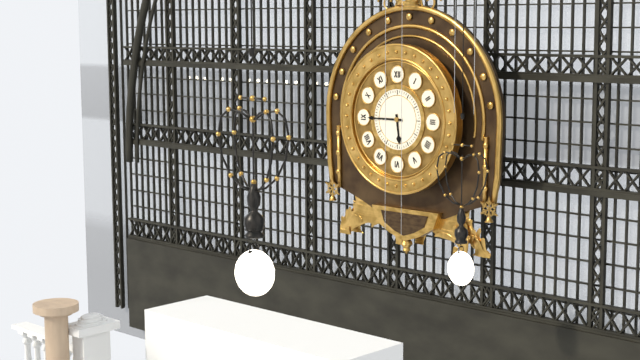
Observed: 5 h 45 min
